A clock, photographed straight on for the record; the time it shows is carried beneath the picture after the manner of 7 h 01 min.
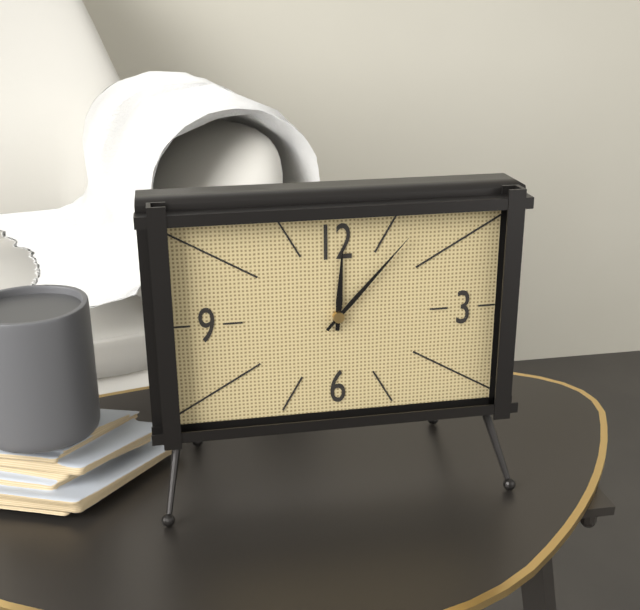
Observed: 12 h 07 min
